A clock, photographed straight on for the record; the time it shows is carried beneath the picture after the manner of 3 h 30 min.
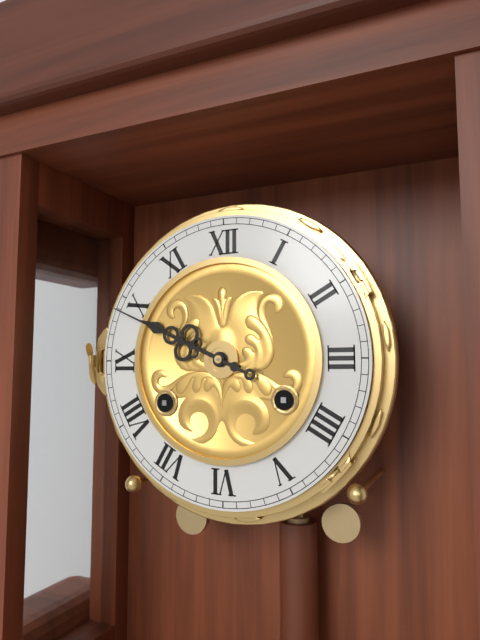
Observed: 9 h 49 min
